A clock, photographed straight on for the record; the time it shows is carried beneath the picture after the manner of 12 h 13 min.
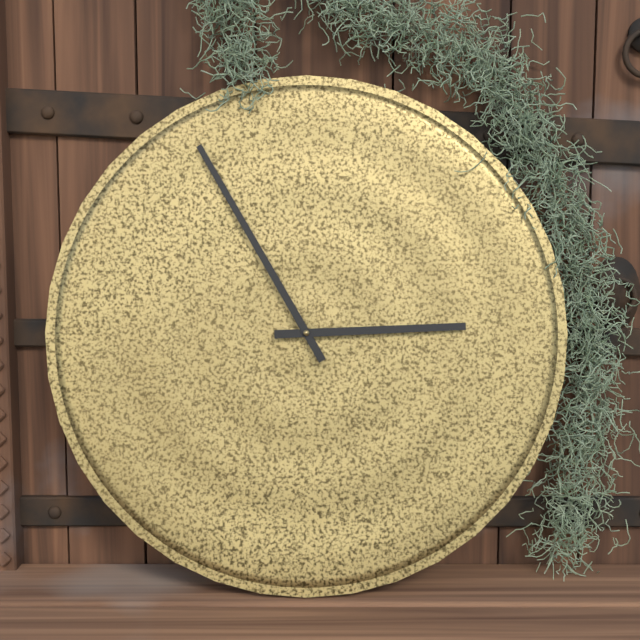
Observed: 2 h 55 min
